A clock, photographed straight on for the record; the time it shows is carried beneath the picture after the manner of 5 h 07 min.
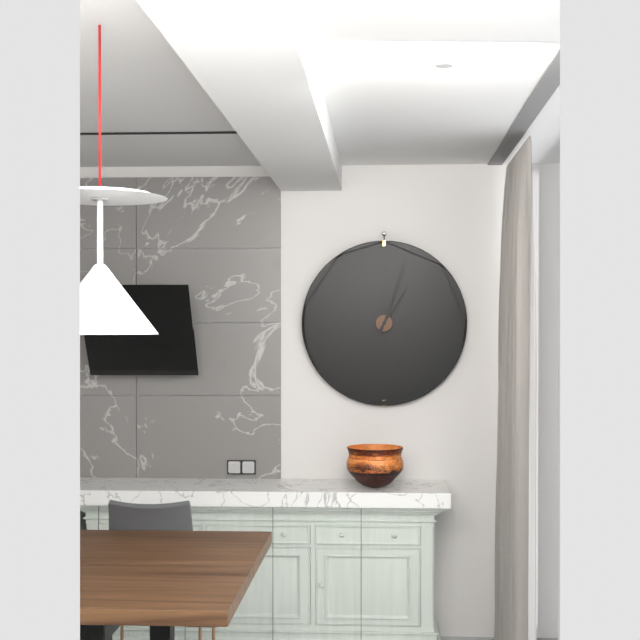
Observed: 1 h 03 min
